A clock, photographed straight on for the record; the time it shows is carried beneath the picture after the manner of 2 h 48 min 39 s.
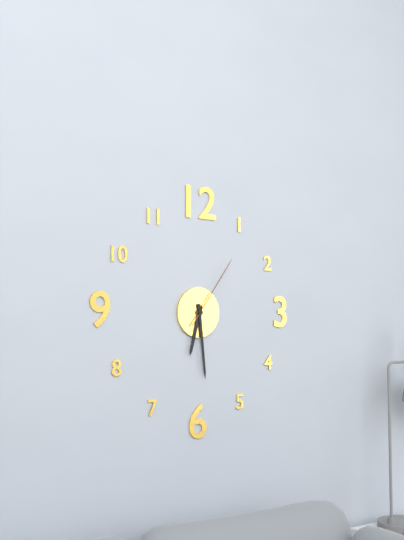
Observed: 6 h 29 min 06 s
